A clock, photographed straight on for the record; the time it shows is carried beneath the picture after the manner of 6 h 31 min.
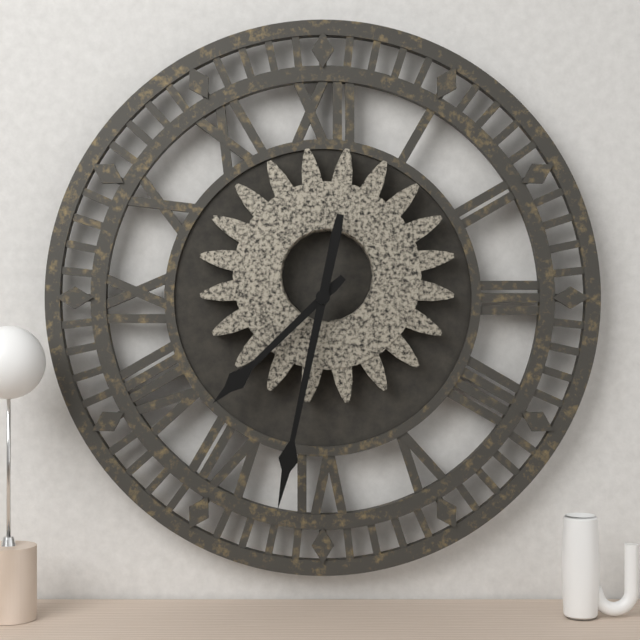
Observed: 7 h 32 min
